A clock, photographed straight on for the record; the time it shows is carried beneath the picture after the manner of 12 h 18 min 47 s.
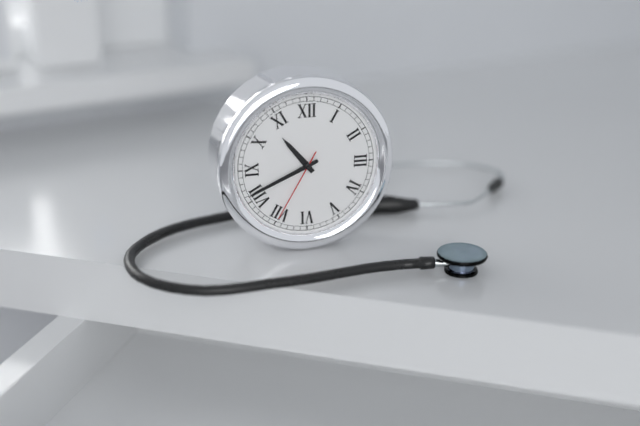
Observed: 10 h 41 min 35 s
